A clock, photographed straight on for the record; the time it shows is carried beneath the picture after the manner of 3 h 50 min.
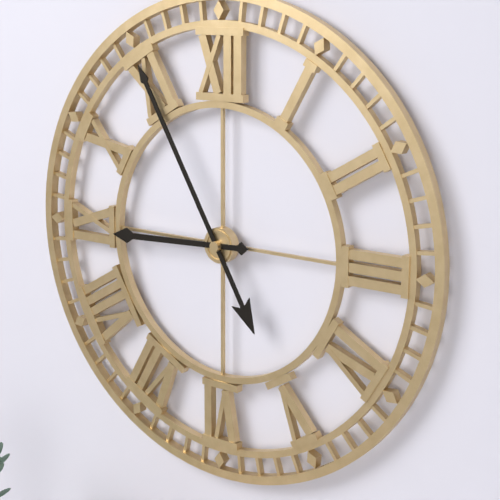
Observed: 8 h 55 min
